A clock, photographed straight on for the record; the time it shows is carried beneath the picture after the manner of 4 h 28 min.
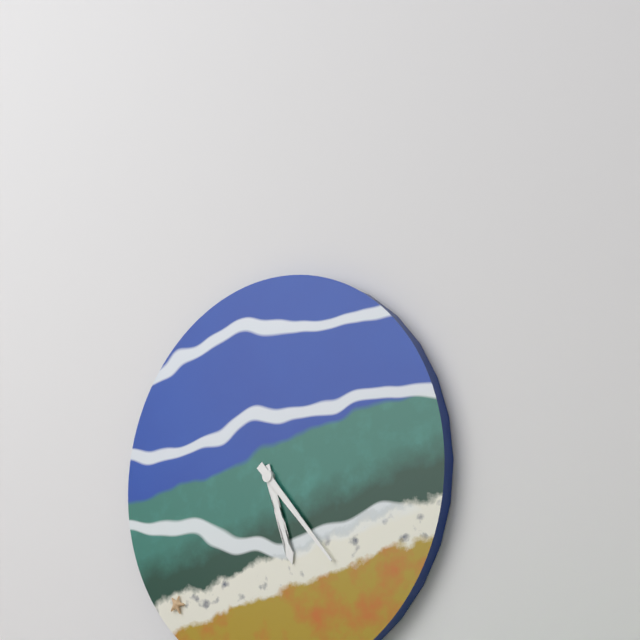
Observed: 5 h 23 min
